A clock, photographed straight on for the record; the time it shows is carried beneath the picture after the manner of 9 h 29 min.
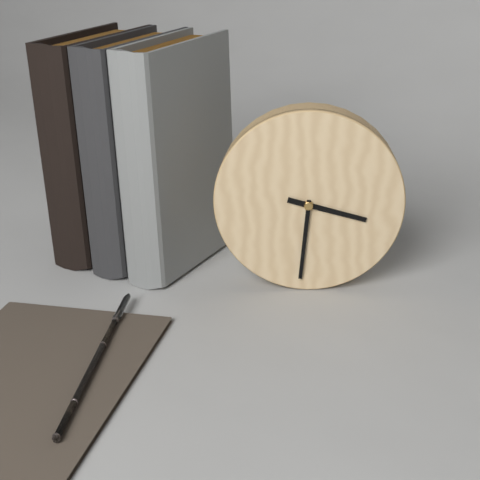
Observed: 3 h 31 min
